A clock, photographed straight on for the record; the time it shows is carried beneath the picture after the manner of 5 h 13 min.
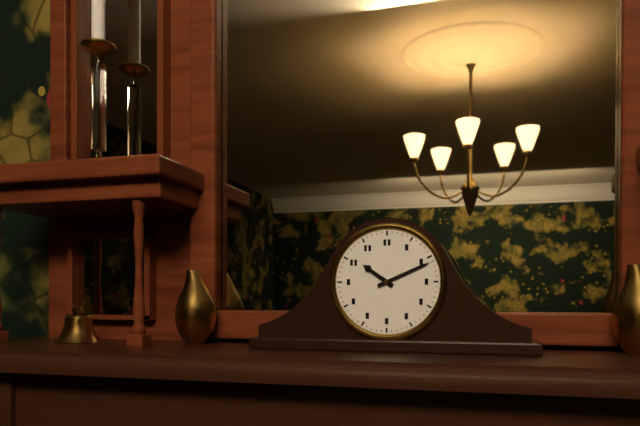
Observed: 10 h 11 min
